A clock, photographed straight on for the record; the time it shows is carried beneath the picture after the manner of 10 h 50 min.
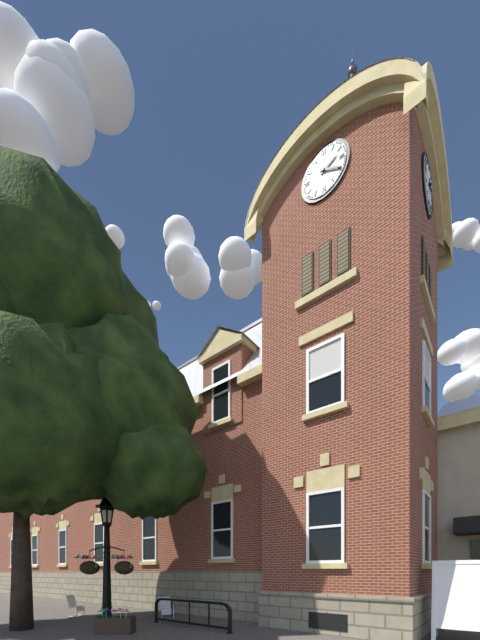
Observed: 2 h 20 min
